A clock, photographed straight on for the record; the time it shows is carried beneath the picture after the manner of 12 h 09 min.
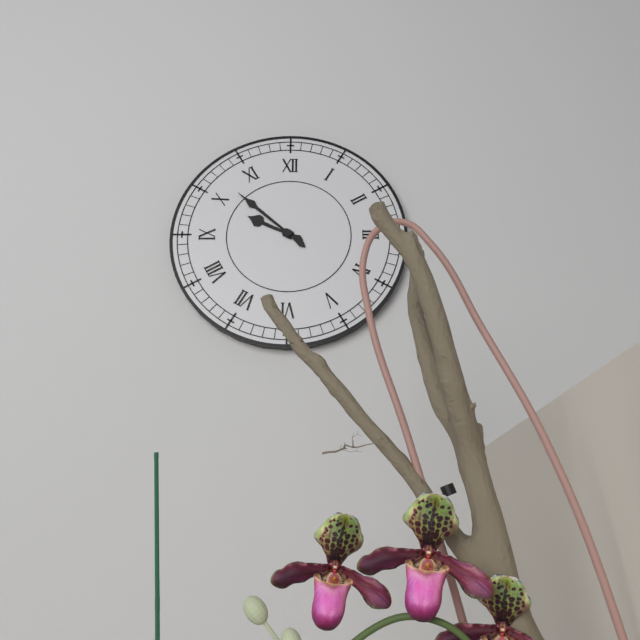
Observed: 9 h 52 min
